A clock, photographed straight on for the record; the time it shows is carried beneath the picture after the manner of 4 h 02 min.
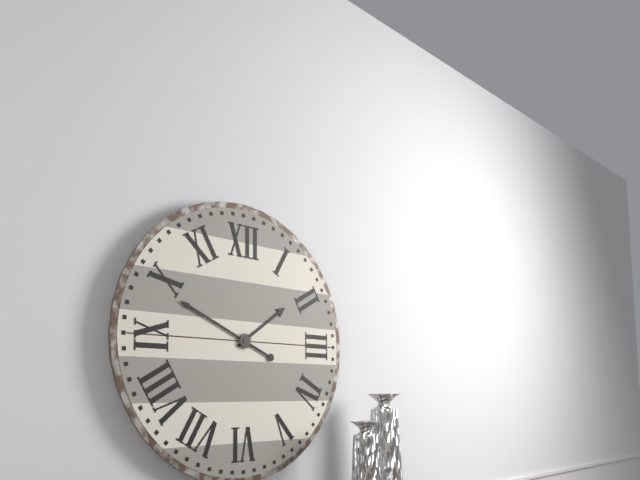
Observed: 1 h 49 min
